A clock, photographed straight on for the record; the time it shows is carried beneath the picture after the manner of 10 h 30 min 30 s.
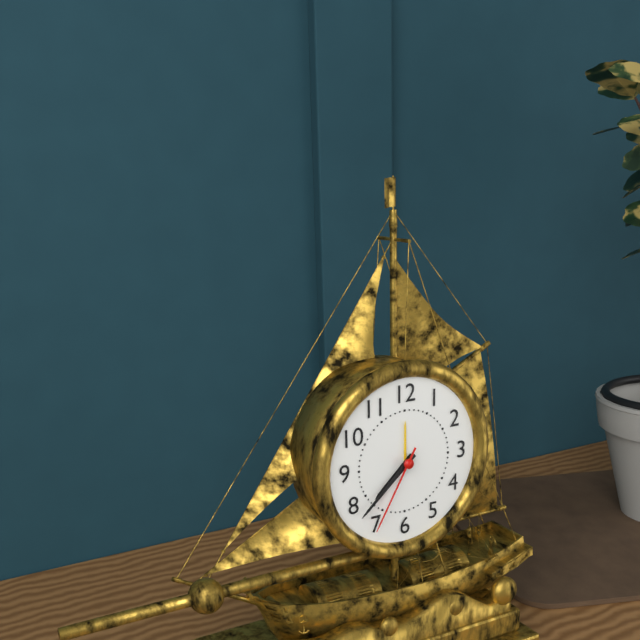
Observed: 7 h 38 min 35 s
